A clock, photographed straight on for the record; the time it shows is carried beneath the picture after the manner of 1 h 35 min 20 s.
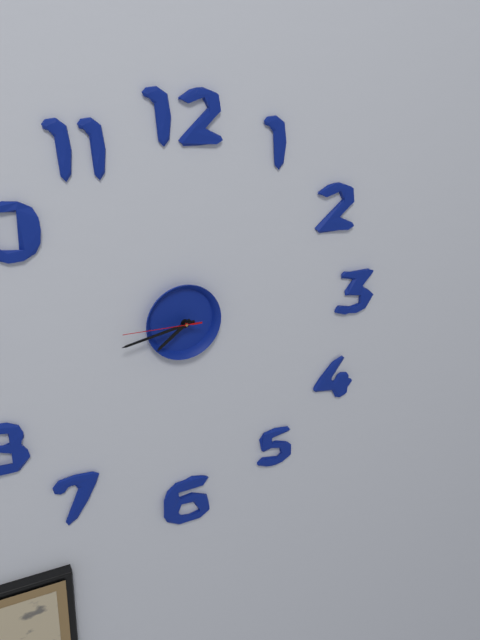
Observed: 7 h 43 min 45 s
